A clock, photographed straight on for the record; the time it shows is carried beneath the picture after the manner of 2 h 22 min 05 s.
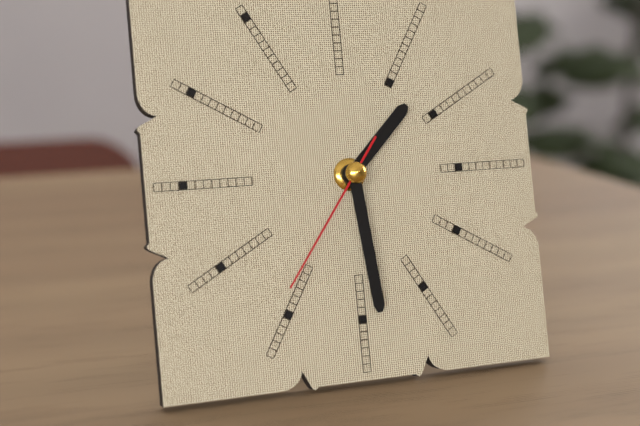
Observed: 1 h 29 min 36 s
